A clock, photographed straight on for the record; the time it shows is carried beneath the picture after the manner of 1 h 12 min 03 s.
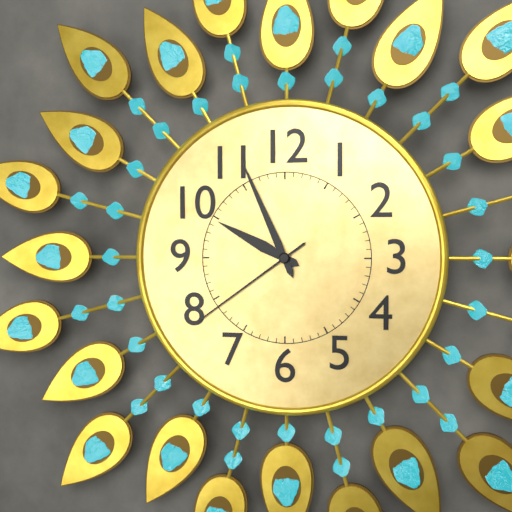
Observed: 9 h 56 min 39 s
